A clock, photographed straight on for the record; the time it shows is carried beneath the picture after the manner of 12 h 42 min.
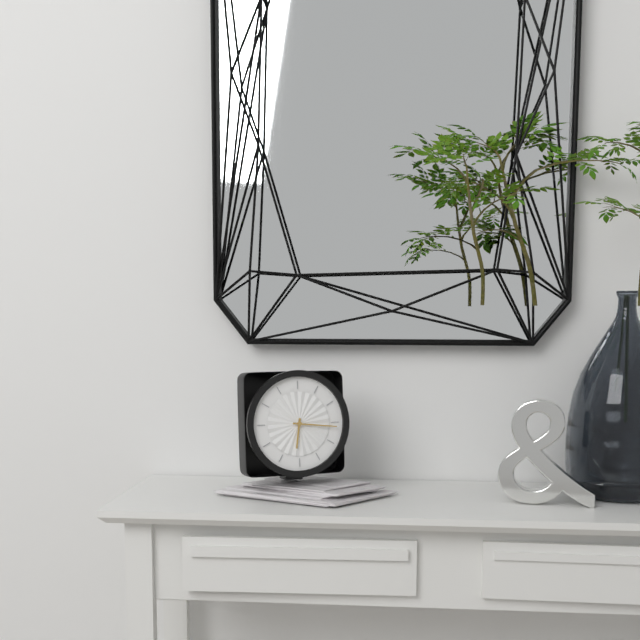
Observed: 6 h 16 min
